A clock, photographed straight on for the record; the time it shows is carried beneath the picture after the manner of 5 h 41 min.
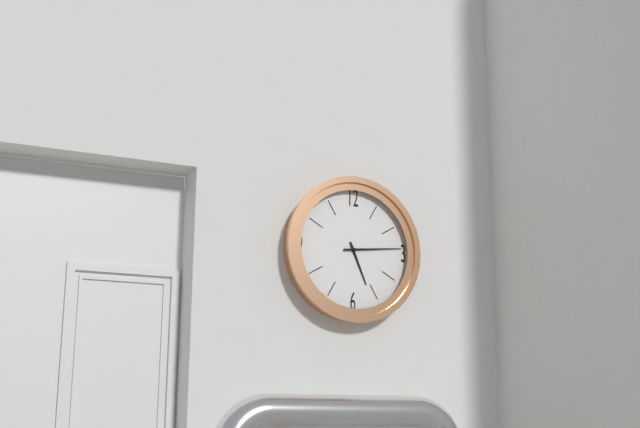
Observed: 5 h 14 min
